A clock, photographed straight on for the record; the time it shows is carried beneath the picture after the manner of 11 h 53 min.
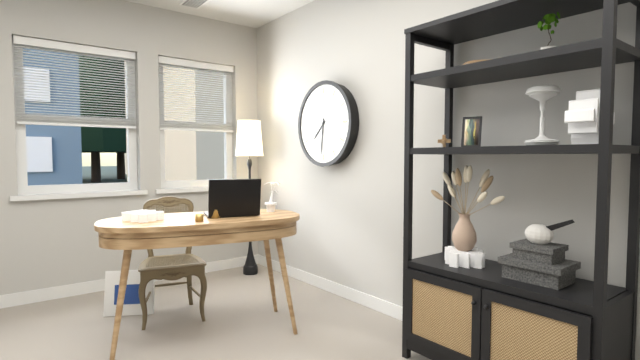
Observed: 7 h 31 min
